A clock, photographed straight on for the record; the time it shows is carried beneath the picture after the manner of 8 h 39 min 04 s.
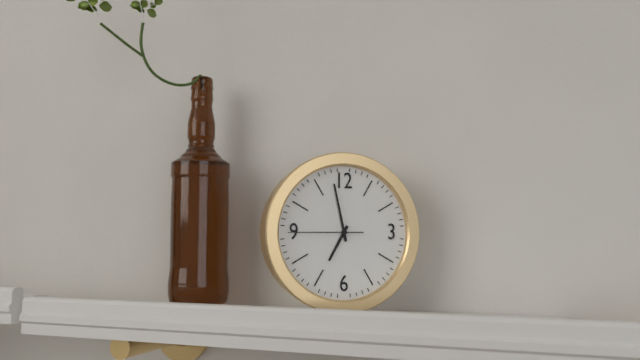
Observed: 6 h 58 min 45 s
